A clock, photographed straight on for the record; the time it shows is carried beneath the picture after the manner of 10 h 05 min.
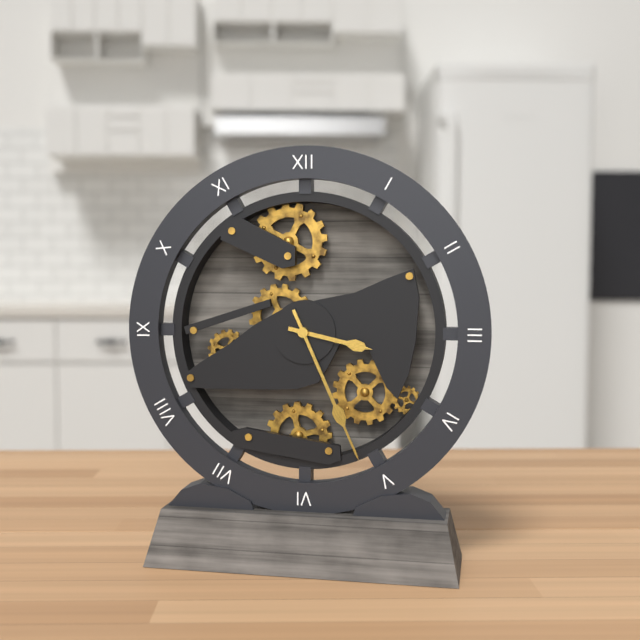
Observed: 3 h 26 min
